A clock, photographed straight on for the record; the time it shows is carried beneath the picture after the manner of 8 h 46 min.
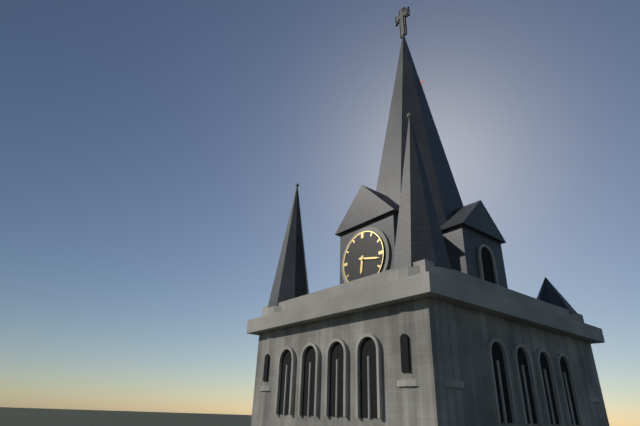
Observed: 6 h 17 min
